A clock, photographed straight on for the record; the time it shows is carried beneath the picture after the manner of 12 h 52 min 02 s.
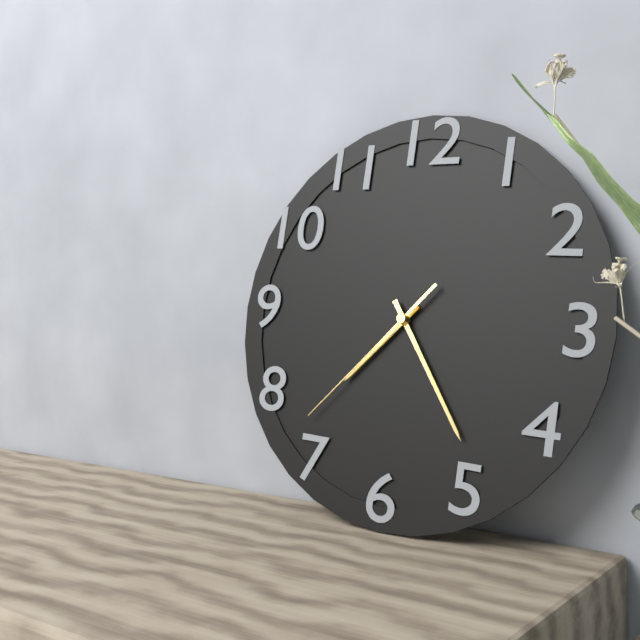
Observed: 7 h 24 min 37 s
